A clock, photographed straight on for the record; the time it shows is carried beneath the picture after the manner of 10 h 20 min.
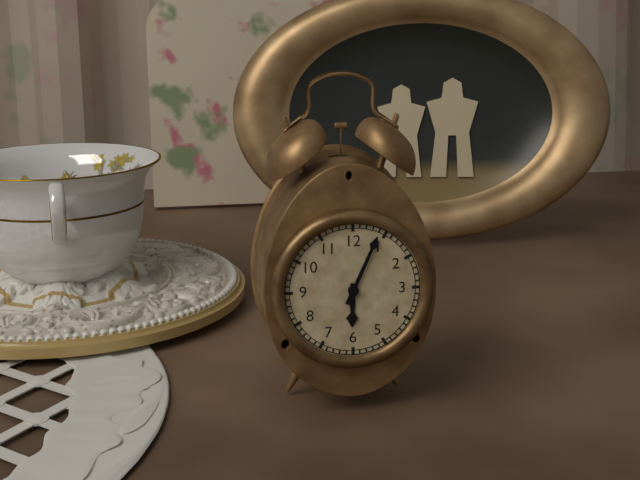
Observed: 6 h 04 min
